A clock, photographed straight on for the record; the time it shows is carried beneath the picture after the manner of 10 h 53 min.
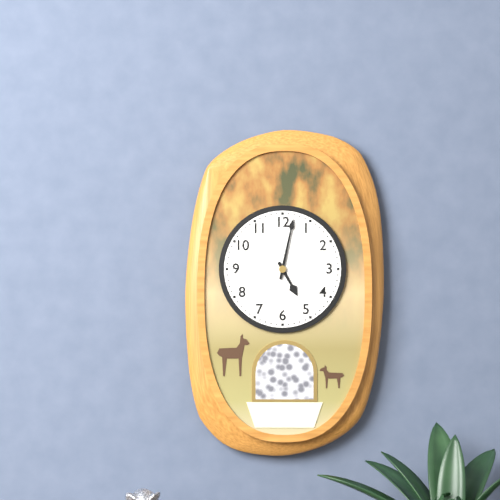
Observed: 5 h 02 min
